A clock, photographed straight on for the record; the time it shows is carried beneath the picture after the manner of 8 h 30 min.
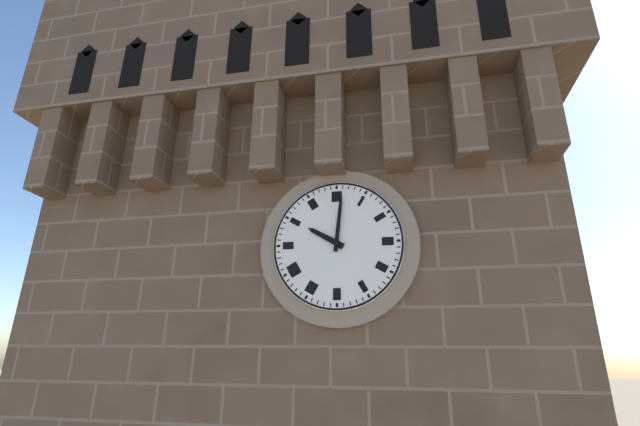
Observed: 10 h 01 min
